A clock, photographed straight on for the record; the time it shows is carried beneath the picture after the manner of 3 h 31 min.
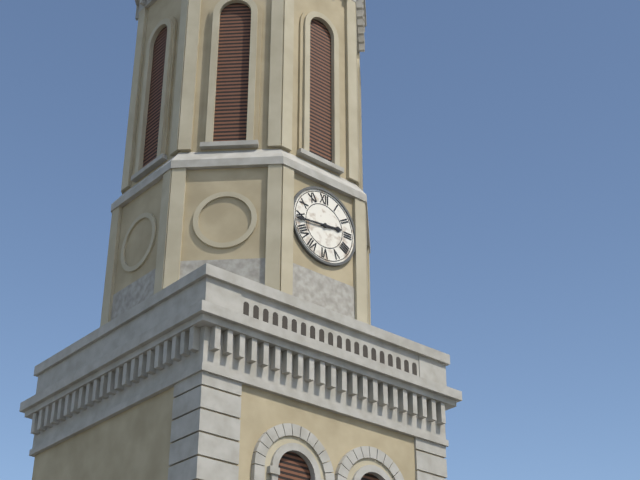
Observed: 2 h 44 min
